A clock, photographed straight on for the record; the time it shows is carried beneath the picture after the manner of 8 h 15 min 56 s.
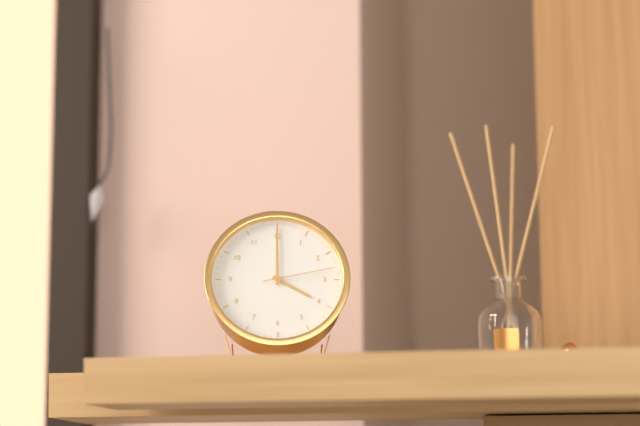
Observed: 4 h 00 min 13 s
